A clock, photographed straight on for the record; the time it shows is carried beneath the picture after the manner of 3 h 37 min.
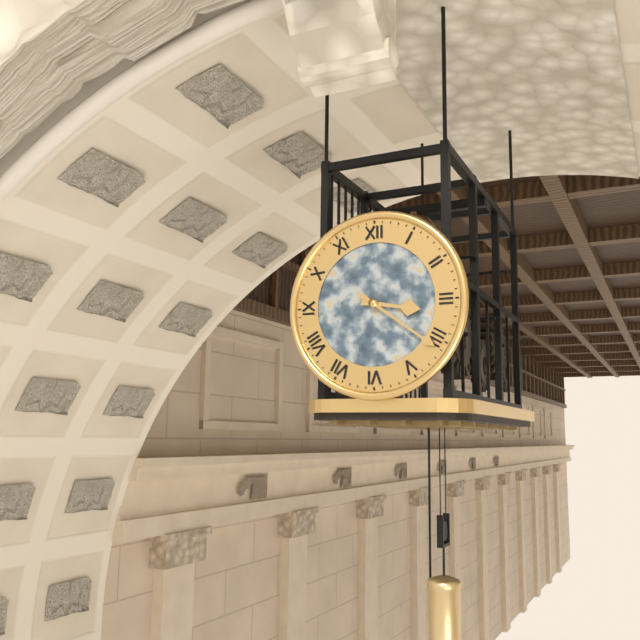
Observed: 3 h 21 min
